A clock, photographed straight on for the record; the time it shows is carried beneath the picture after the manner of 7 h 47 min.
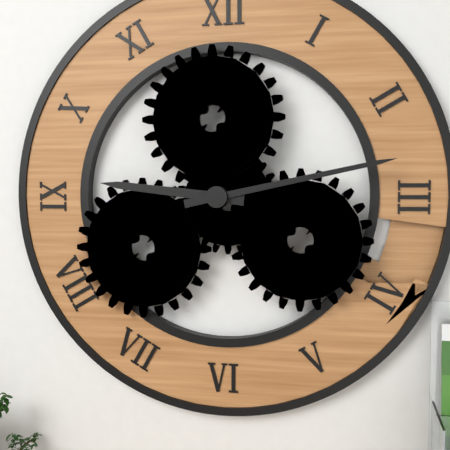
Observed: 9 h 13 min
